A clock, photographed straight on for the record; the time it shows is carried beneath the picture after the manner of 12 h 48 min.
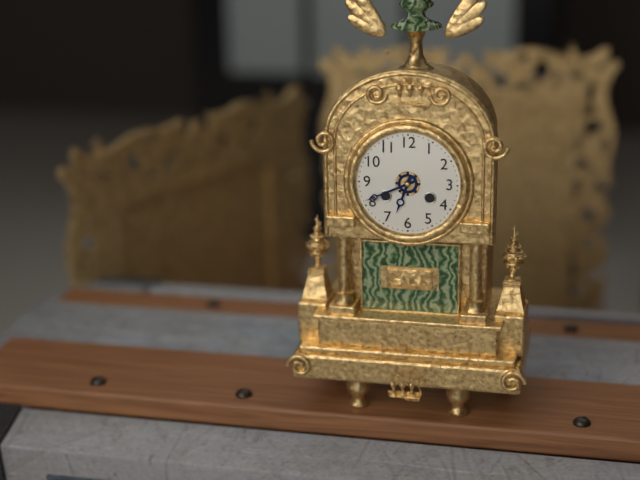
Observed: 6 h 41 min
